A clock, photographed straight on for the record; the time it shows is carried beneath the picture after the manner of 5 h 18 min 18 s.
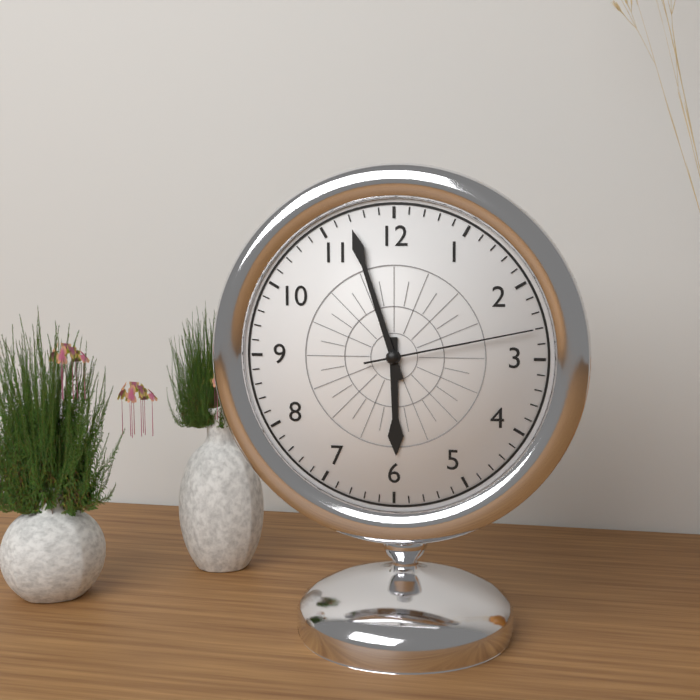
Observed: 5 h 57 min 13 s
